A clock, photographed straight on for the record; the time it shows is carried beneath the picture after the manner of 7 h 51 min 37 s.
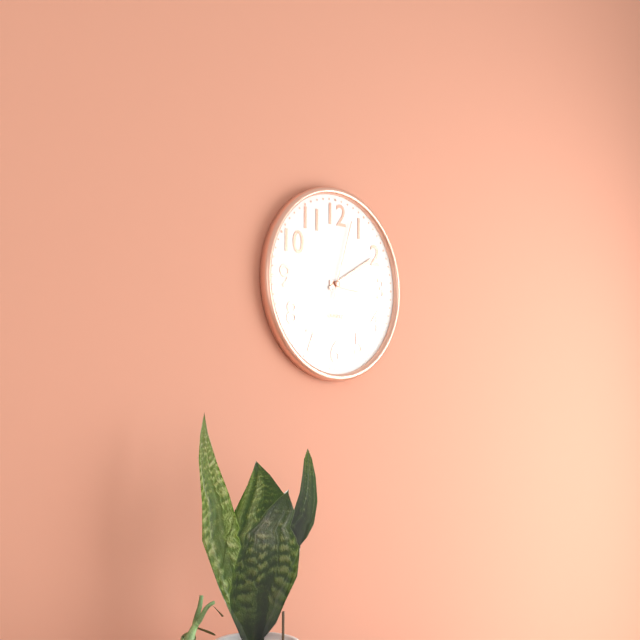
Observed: 3 h 10 min 03 s
